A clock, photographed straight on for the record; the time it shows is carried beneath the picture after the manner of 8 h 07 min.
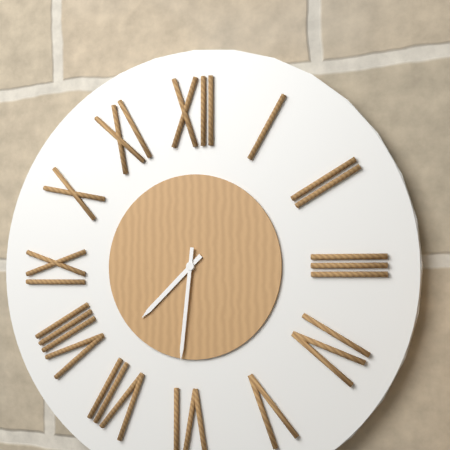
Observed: 7 h 31 min
